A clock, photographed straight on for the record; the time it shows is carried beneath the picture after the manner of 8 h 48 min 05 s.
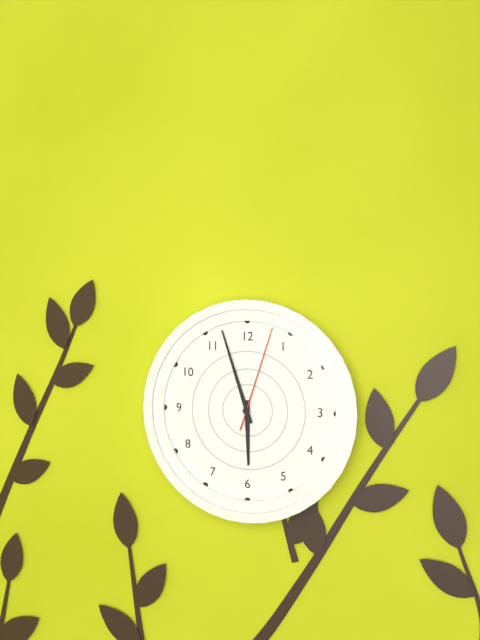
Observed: 5 h 57 min 03 s
